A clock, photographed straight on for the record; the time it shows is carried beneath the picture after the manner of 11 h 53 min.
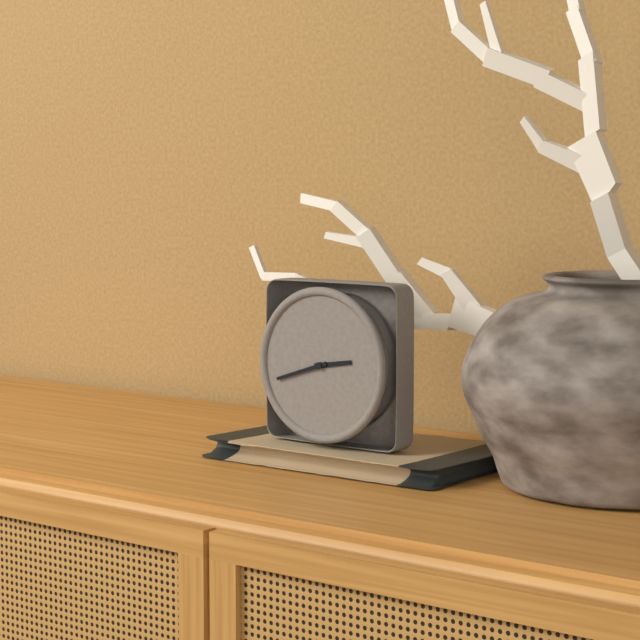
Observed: 2 h 42 min
